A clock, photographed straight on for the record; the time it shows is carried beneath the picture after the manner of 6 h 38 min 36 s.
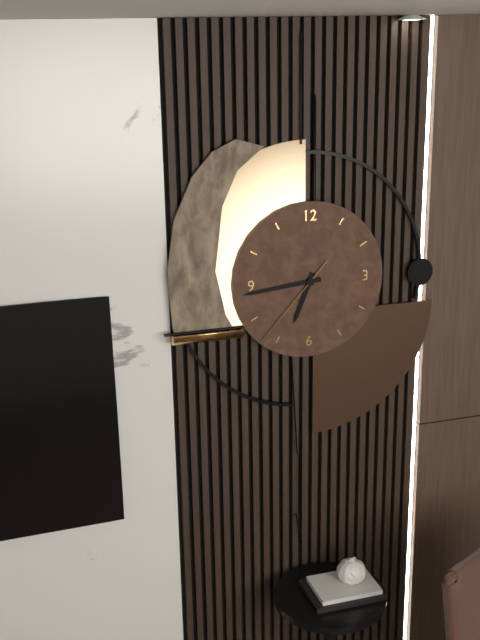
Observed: 6 h 44 min 37 s
